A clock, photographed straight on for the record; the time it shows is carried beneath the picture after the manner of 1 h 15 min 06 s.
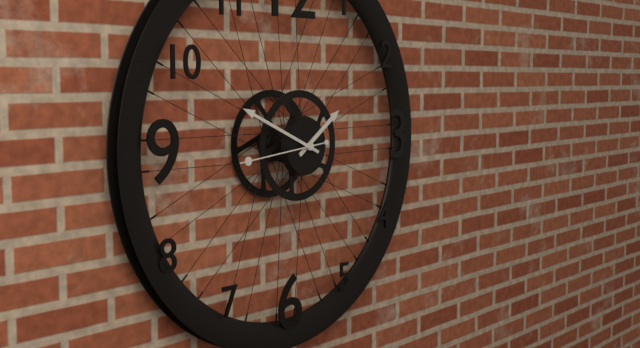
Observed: 1 h 49 min 44 s
